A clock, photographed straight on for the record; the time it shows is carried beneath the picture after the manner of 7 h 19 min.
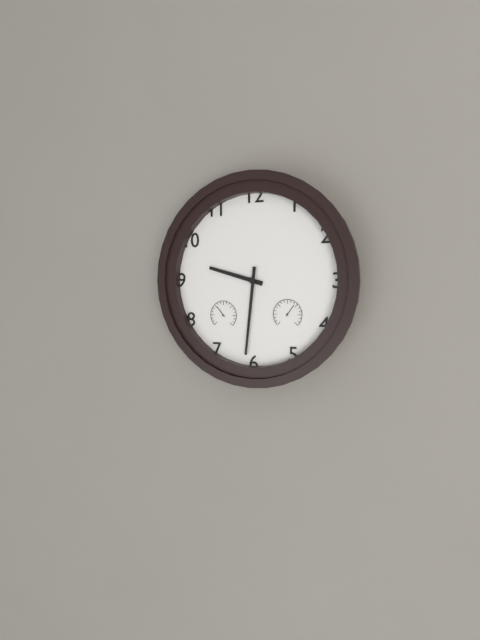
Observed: 9 h 31 min
